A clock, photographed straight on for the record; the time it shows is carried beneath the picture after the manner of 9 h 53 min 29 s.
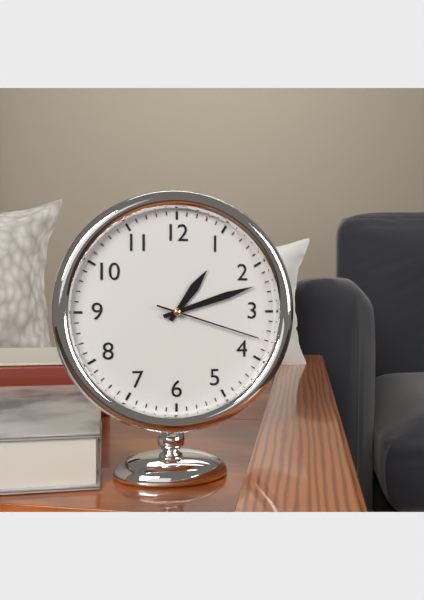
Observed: 1 h 12 min 18 s
